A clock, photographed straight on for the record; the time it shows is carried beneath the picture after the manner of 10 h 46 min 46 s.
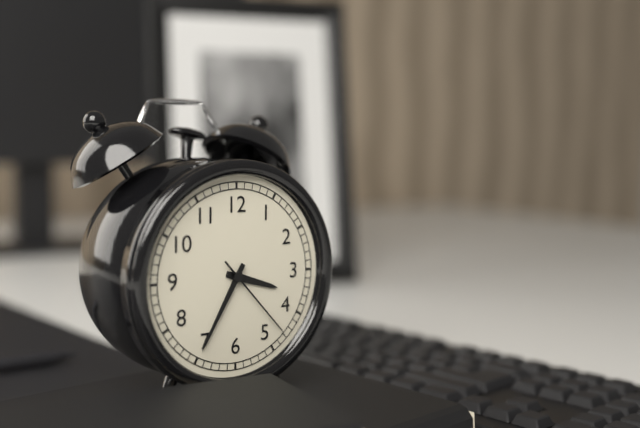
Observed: 3 h 35 min 23 s
